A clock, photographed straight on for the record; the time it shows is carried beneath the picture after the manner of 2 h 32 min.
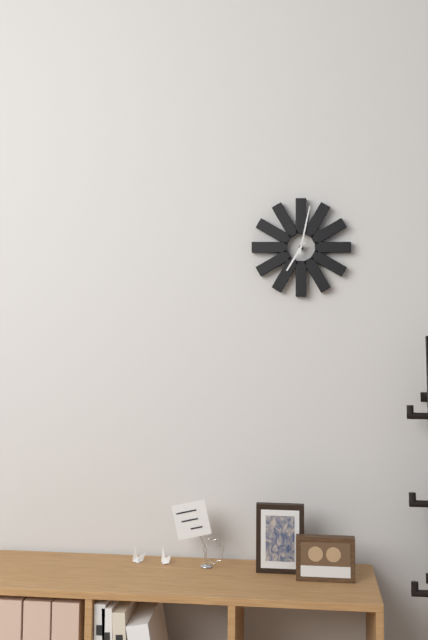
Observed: 7 h 02 min
